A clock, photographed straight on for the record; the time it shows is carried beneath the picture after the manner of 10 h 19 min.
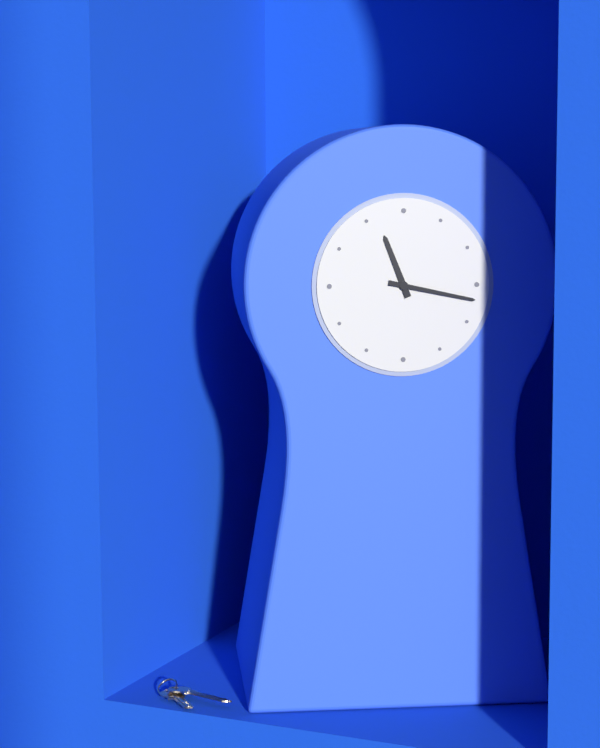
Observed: 11 h 17 min
